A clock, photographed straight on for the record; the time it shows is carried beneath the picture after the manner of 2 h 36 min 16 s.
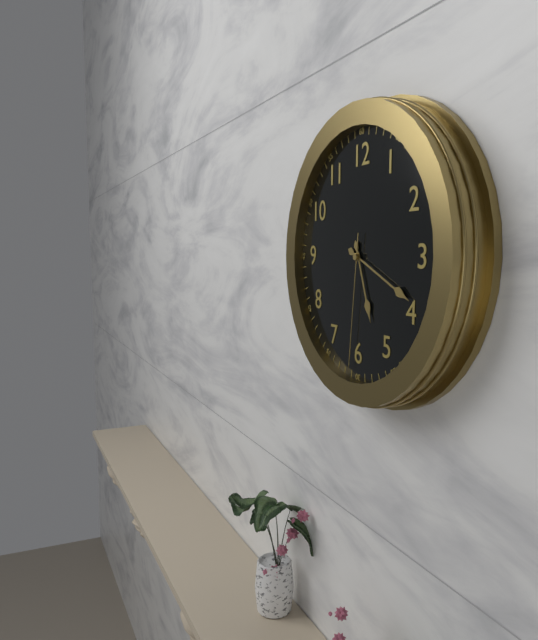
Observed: 5 h 19 min 31 s
